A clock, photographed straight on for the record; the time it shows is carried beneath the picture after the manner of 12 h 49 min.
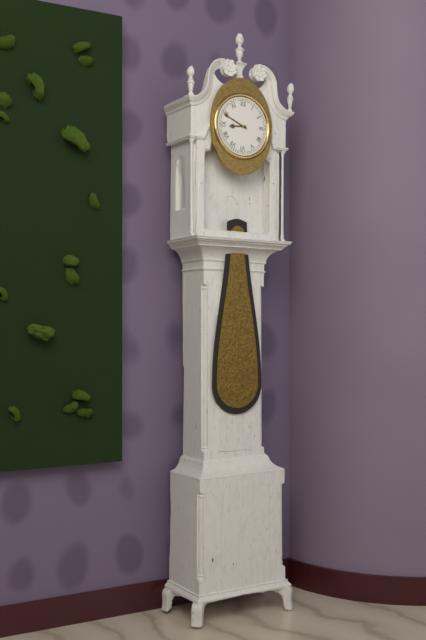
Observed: 8 h 49 min
